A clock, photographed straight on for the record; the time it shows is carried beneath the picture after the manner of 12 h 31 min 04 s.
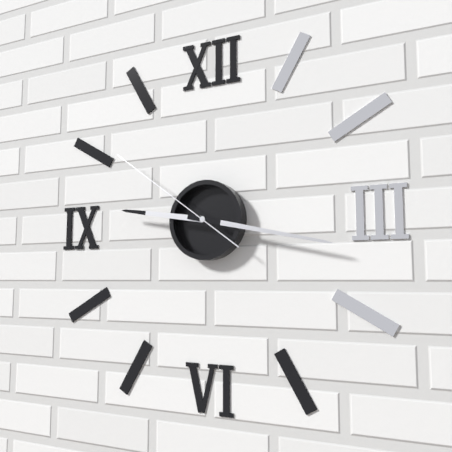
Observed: 9 h 17 min 51 s
